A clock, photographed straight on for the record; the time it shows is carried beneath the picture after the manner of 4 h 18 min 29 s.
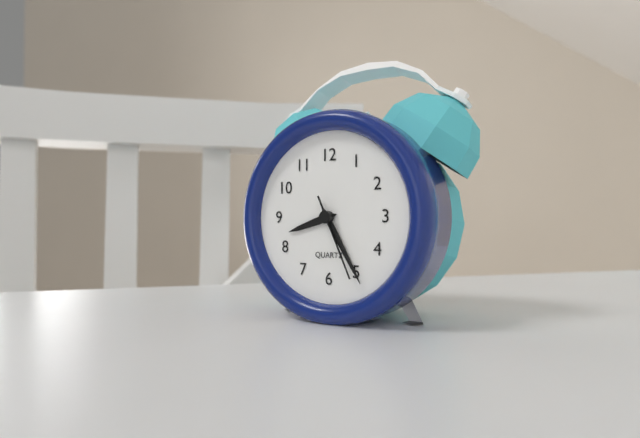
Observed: 8 h 25 min 26 s
